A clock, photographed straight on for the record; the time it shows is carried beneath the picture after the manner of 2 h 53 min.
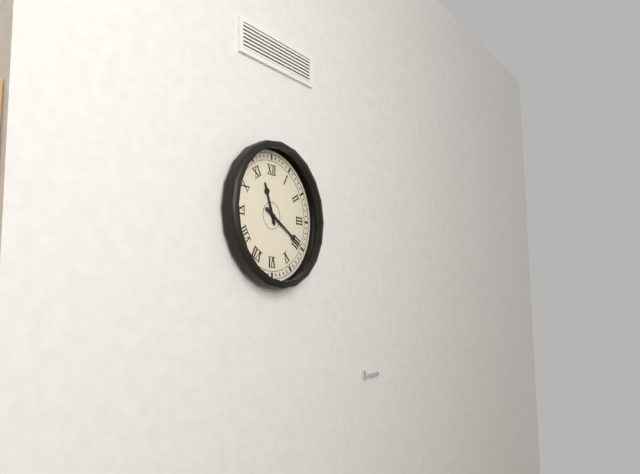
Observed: 11 h 20 min
